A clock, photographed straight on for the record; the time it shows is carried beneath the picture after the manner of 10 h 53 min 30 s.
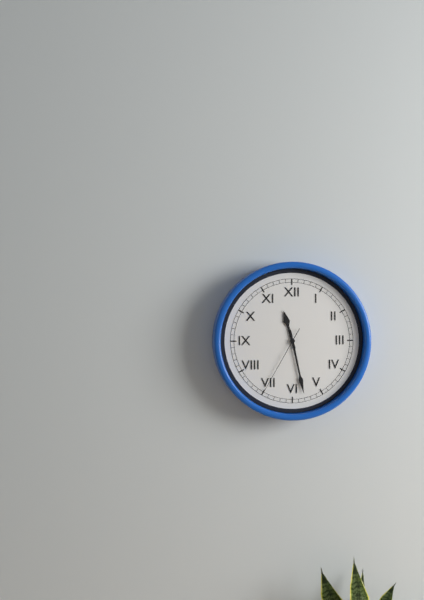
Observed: 11 h 28 min 35 s
